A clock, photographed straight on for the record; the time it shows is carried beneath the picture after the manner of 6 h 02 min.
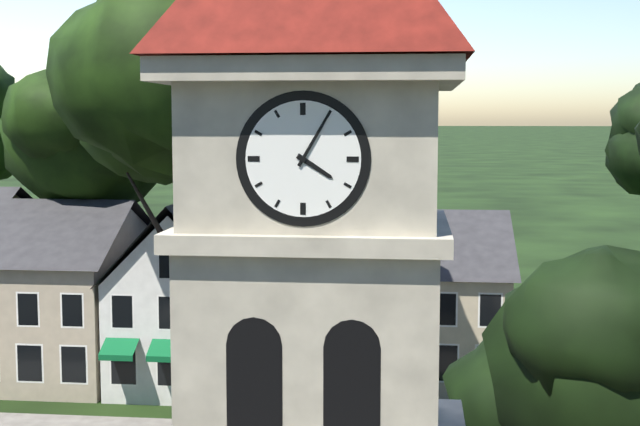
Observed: 4 h 05 min
